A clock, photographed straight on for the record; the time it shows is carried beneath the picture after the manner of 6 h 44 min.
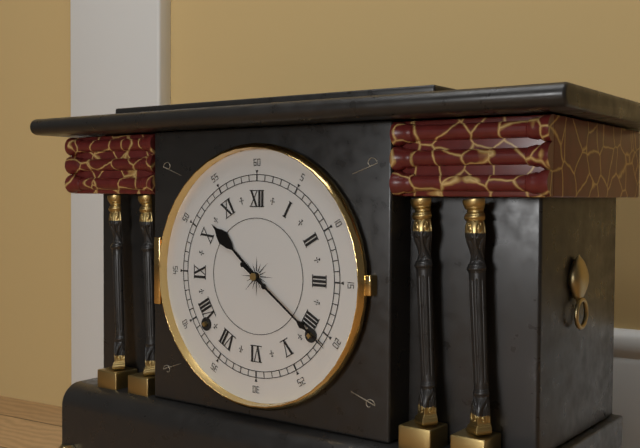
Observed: 10 h 21 min
